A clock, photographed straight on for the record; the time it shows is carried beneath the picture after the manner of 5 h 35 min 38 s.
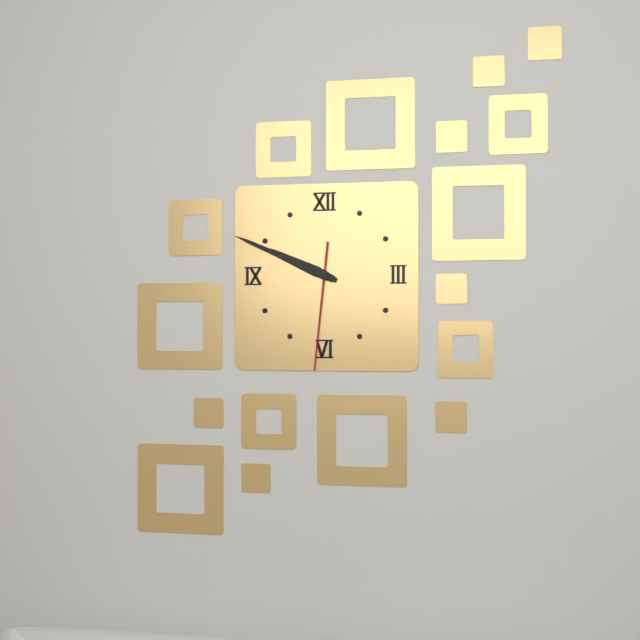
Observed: 9 h 49 min 31 s
